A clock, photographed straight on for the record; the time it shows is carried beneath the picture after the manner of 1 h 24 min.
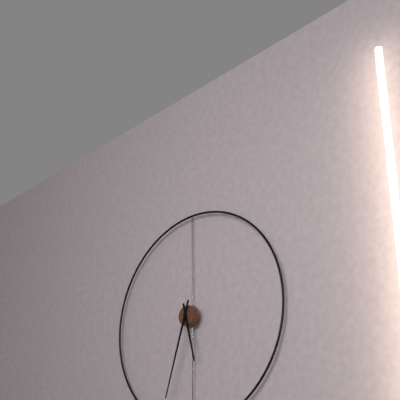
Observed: 5 h 33 min
